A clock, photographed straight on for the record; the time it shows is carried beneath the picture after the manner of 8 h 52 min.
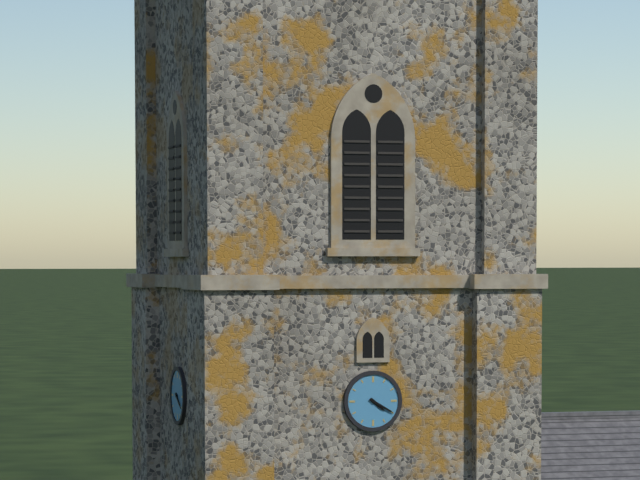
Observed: 4 h 20 min
